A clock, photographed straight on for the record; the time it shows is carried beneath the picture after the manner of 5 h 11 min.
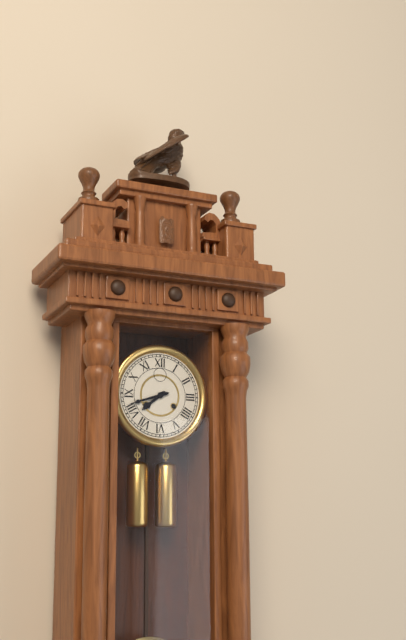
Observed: 7 h 42 min
